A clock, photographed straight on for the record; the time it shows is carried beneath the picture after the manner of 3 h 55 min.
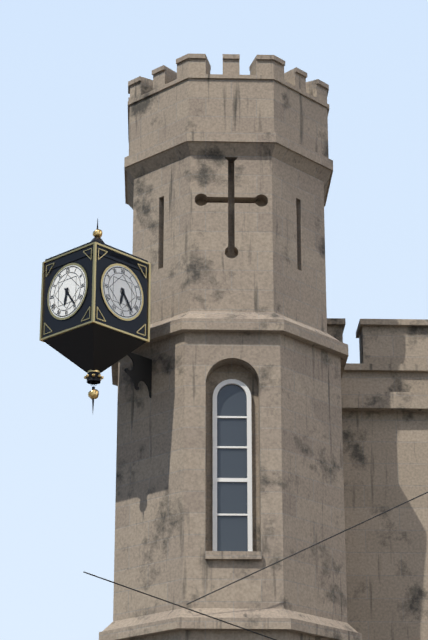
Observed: 6 h 24 min
